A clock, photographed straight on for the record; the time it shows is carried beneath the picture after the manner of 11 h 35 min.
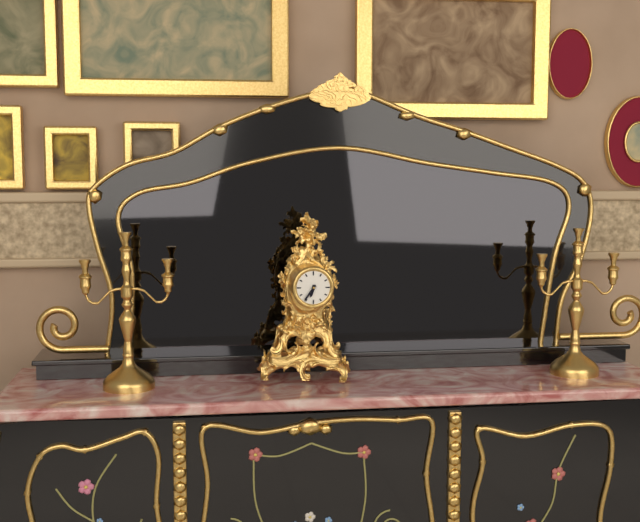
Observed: 6 h 36 min
